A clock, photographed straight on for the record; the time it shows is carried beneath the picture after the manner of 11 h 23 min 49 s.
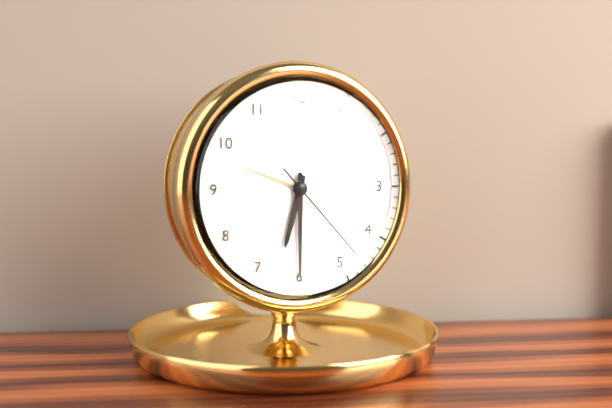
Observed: 6 h 30 min 23 s
